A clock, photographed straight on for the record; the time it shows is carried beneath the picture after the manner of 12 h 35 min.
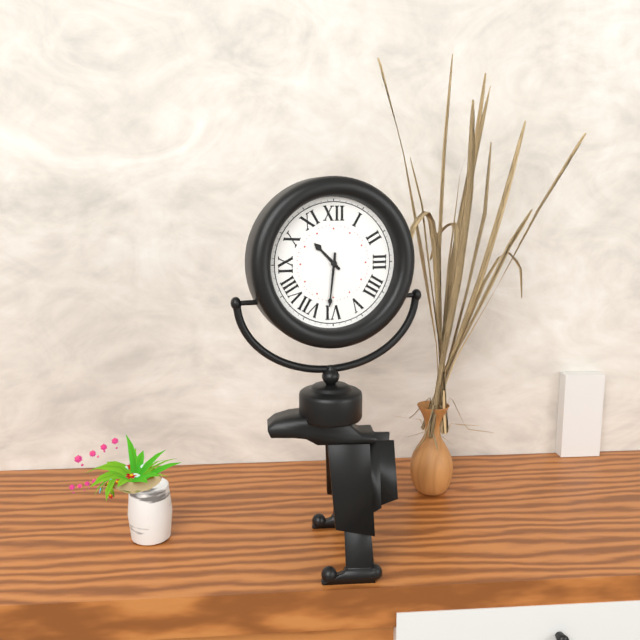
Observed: 10 h 31 min
